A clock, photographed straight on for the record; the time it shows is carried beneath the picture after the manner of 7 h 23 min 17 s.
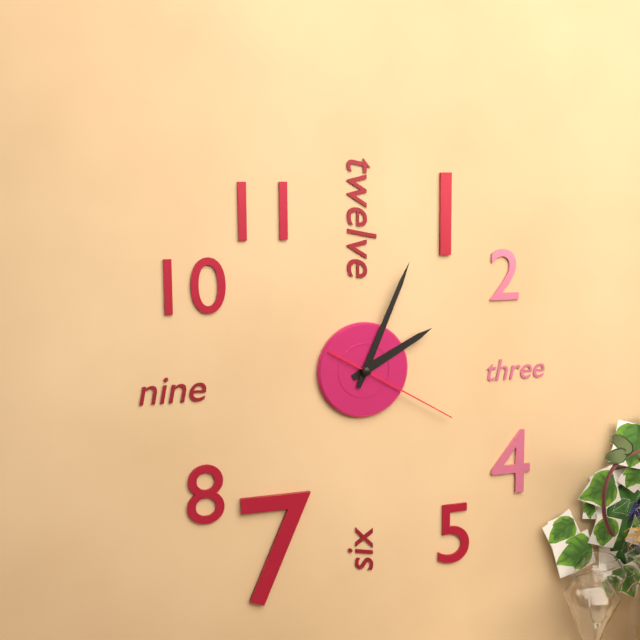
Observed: 2 h 04 min 20 s
